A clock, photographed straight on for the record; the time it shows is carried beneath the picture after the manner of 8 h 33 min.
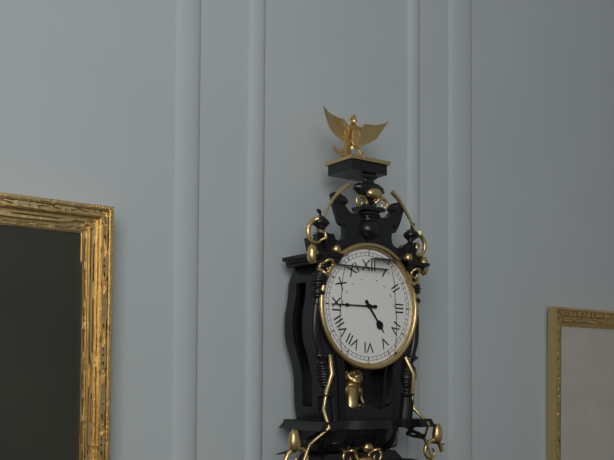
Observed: 4 h 45 min
